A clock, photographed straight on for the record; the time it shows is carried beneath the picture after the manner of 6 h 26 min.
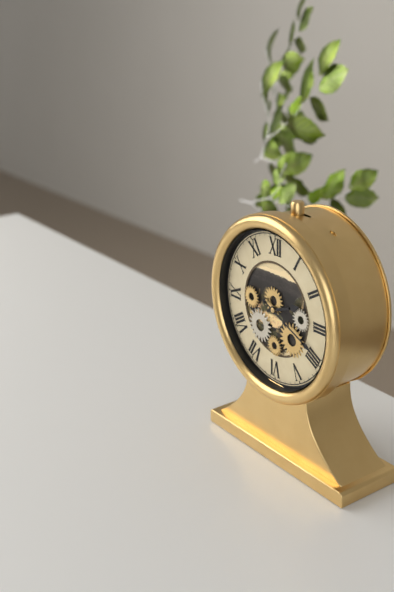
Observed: 2 h 19 min
